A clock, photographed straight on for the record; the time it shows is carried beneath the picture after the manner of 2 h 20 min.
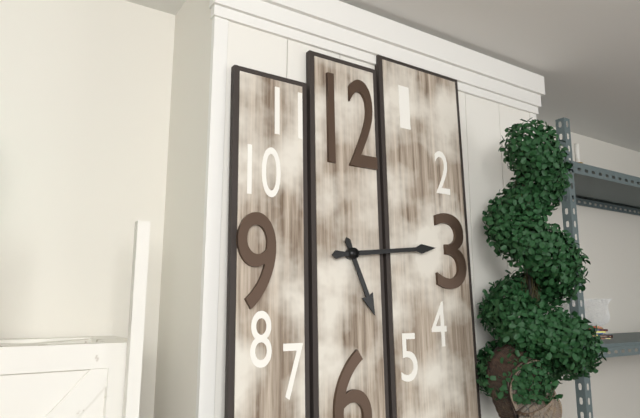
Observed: 5 h 14 min
